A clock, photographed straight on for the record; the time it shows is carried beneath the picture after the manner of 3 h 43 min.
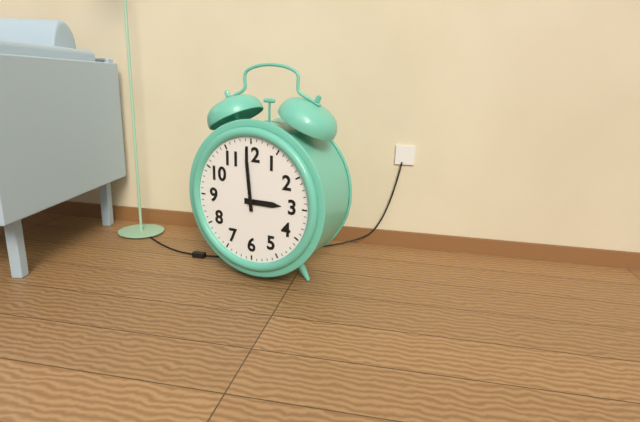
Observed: 2 h 59 min
